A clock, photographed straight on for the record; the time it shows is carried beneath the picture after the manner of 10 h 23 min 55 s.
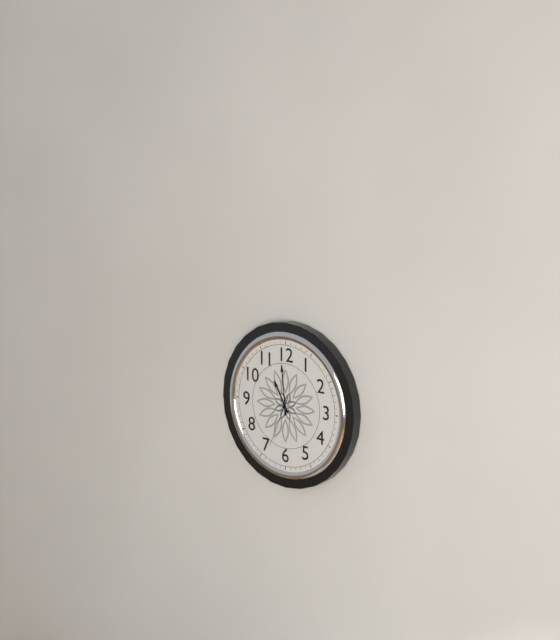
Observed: 10 h 59 min 34 s
